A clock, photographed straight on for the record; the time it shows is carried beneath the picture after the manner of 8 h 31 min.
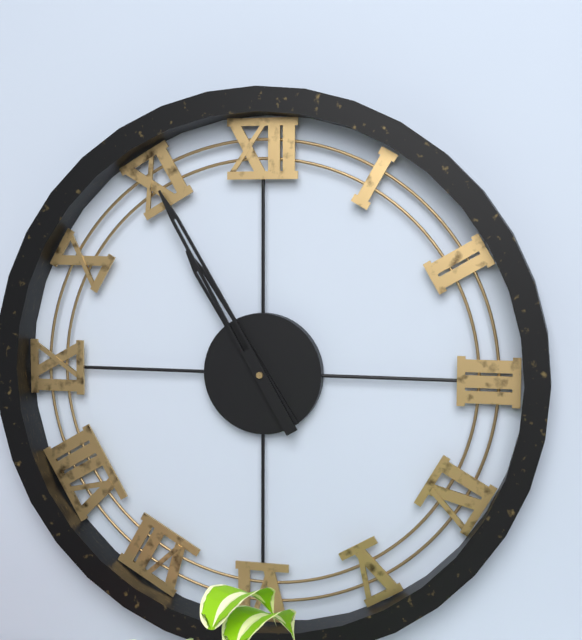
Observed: 10 h 55 min
